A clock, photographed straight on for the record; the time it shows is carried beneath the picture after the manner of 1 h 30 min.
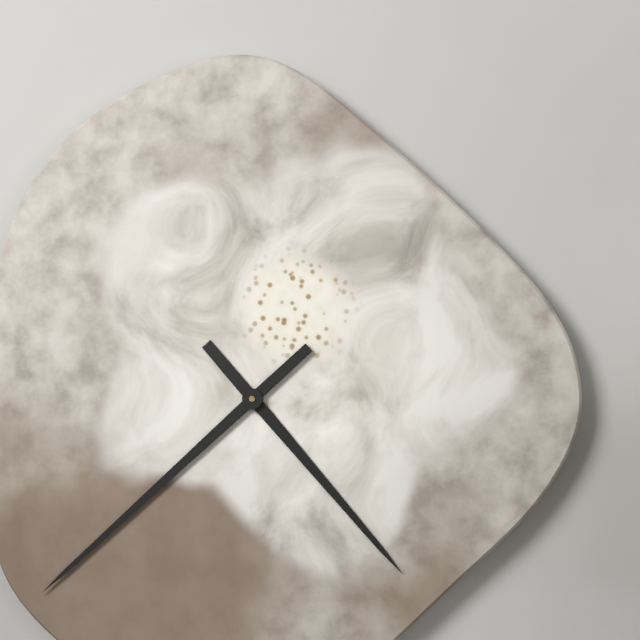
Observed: 4 h 38 min
